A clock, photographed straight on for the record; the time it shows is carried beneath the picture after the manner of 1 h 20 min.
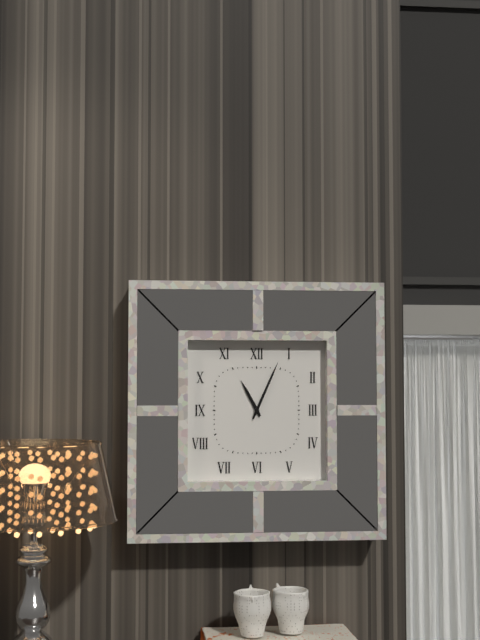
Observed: 11 h 04 min
